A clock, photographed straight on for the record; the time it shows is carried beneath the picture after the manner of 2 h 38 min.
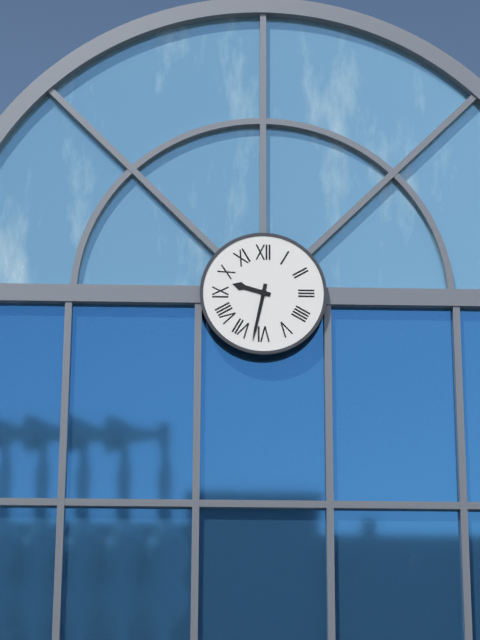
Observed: 9 h 32 min
